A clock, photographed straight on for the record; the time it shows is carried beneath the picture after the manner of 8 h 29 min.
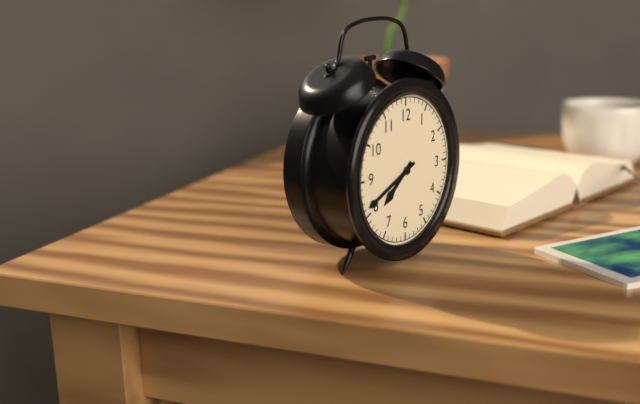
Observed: 7 h 41 min
